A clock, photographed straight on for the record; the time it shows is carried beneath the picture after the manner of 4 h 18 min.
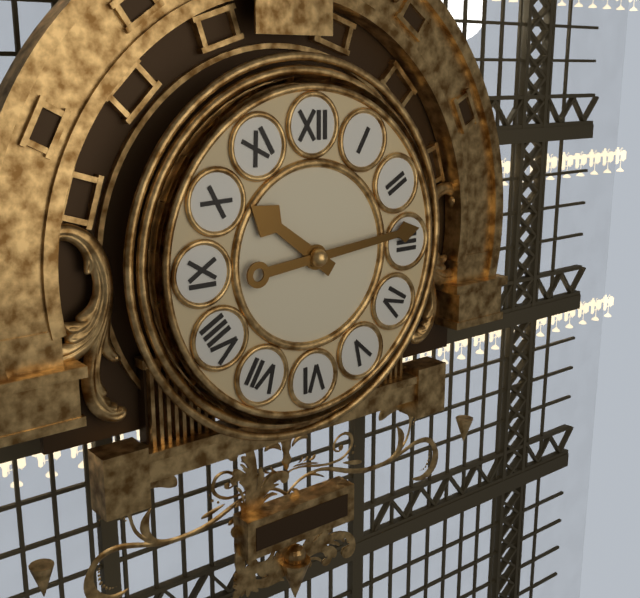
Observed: 10 h 14 min
